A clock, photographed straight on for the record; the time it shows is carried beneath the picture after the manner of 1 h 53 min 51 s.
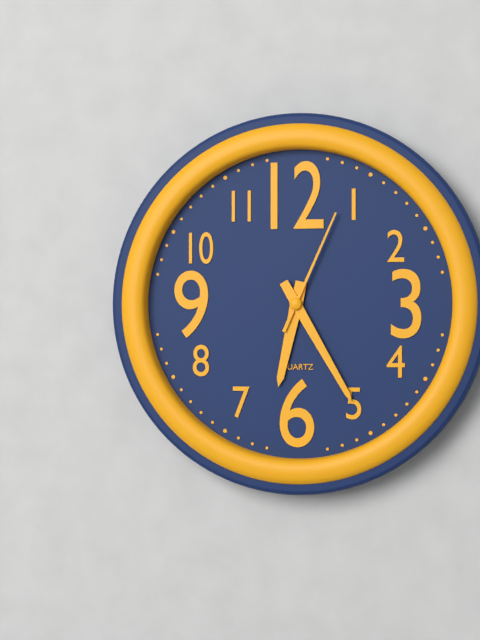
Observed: 6 h 25 min 04 s
